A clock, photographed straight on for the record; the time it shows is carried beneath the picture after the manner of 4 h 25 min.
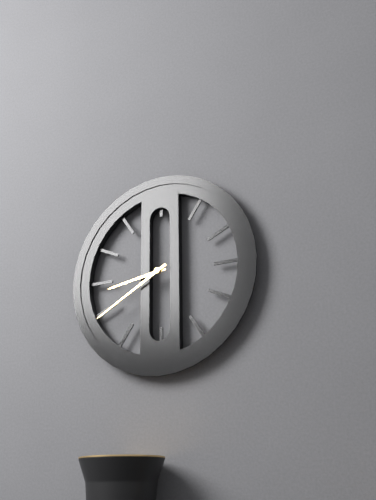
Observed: 8 h 40 min
